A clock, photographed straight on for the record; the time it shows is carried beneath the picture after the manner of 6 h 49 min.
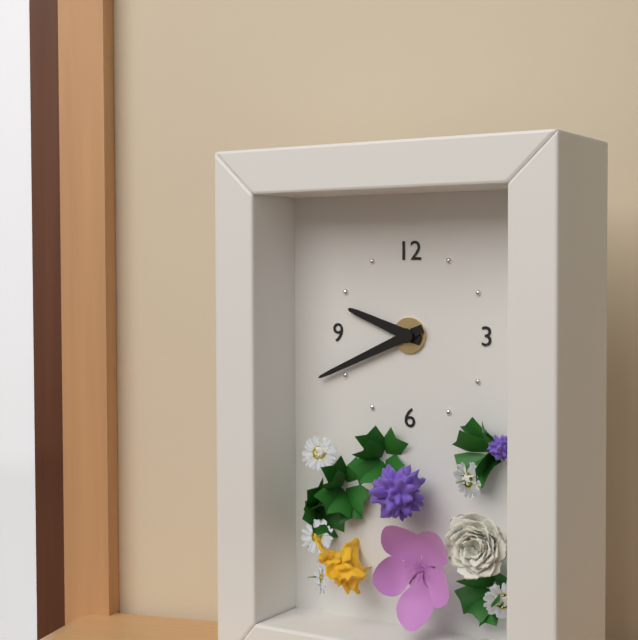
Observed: 9 h 41 min
